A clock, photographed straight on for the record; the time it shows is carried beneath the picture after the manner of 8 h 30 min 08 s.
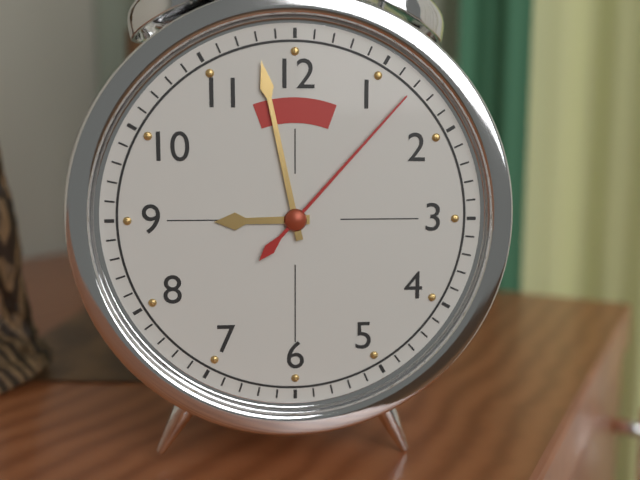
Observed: 8 h 58 min 07 s
